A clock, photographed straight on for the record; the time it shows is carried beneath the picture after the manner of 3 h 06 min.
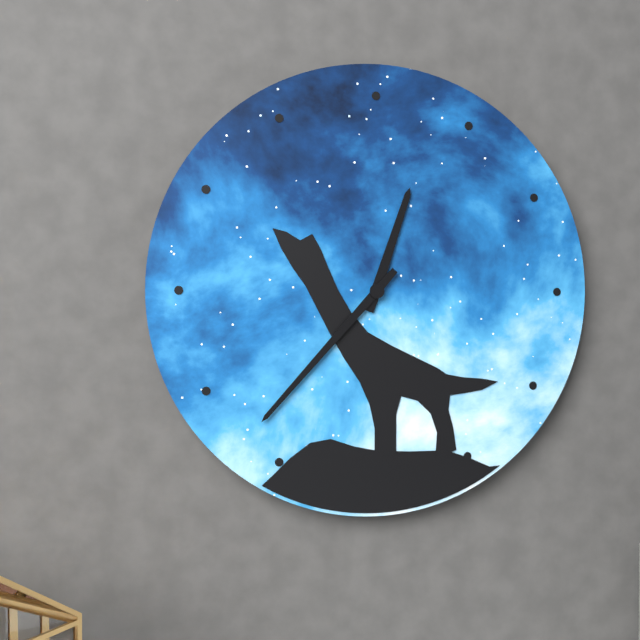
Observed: 12 h 37 min
